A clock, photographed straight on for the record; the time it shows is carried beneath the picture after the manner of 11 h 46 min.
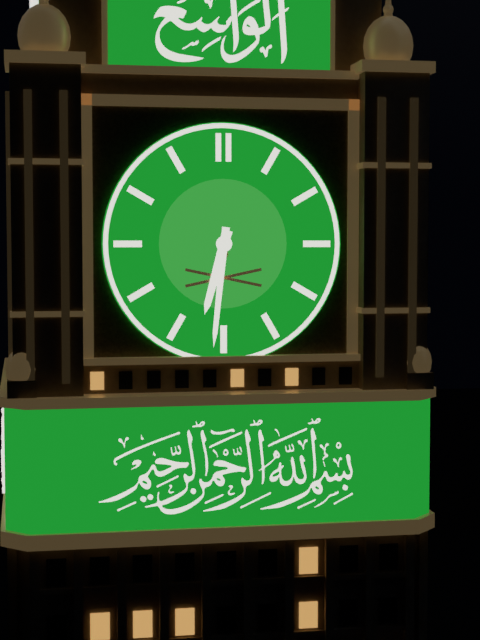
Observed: 6 h 31 min
